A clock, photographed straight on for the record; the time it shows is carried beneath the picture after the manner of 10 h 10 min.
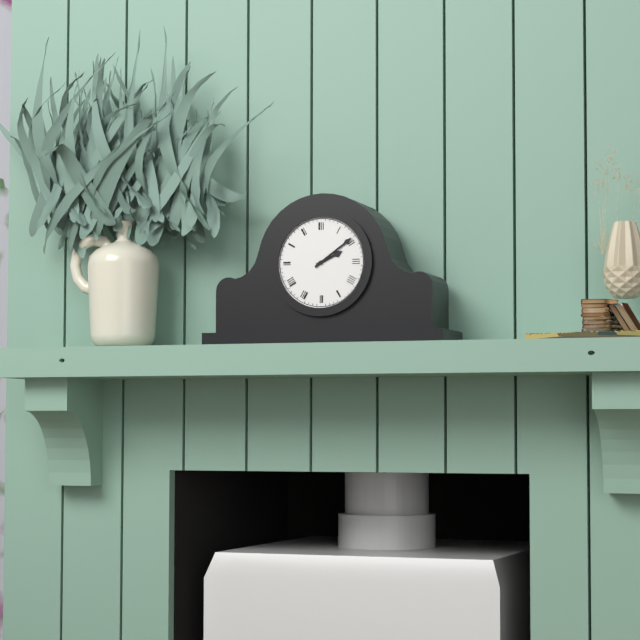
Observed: 2 h 09 min
